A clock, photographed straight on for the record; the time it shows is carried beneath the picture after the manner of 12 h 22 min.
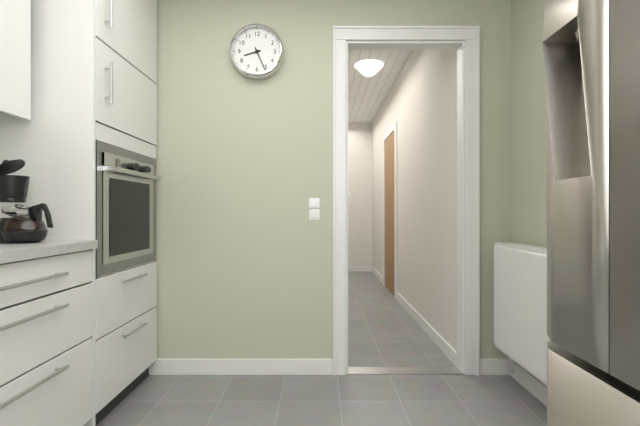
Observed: 8 h 26 min
